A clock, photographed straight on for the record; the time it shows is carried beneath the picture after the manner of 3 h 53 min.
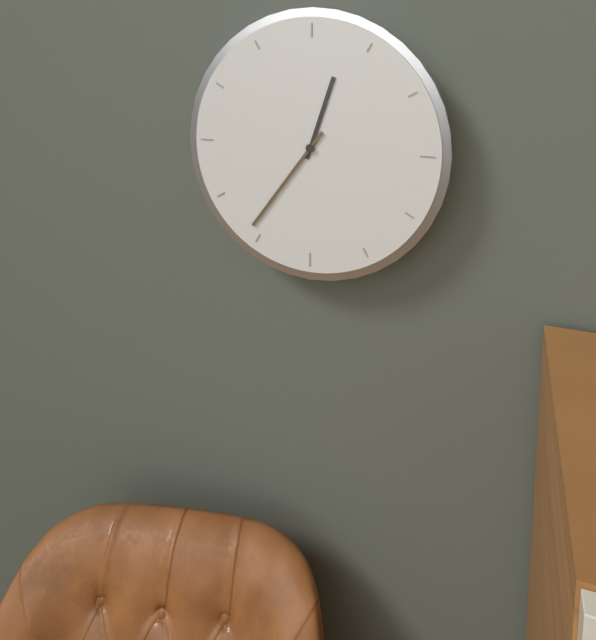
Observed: 12 h 36 min
